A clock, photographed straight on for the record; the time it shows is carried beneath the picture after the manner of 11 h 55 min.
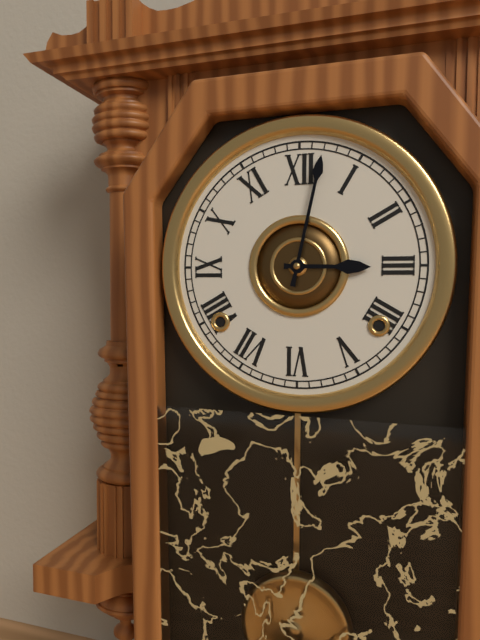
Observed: 3 h 02 min
